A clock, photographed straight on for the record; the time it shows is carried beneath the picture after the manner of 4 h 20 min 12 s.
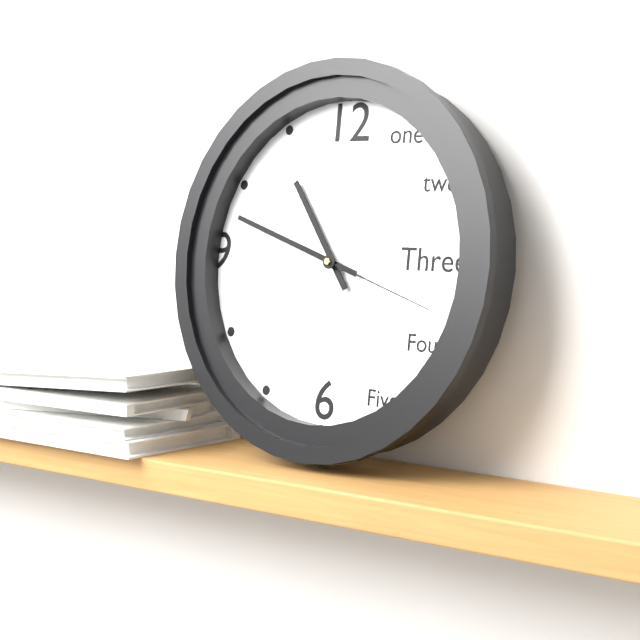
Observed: 10 h 48 min 18 s
